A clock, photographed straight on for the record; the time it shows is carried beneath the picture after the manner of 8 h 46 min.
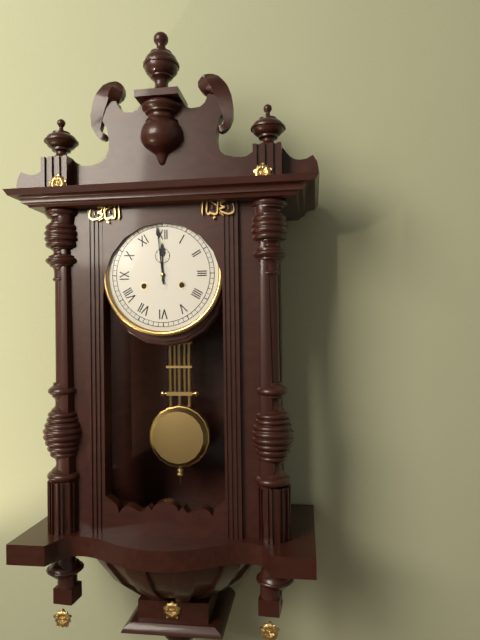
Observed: 11 h 59 min
